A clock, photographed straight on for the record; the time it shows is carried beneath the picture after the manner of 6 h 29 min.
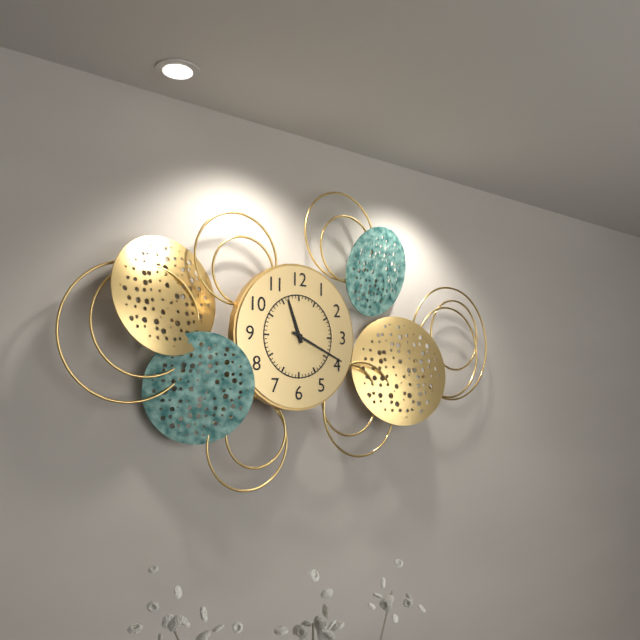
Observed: 11 h 19 min
